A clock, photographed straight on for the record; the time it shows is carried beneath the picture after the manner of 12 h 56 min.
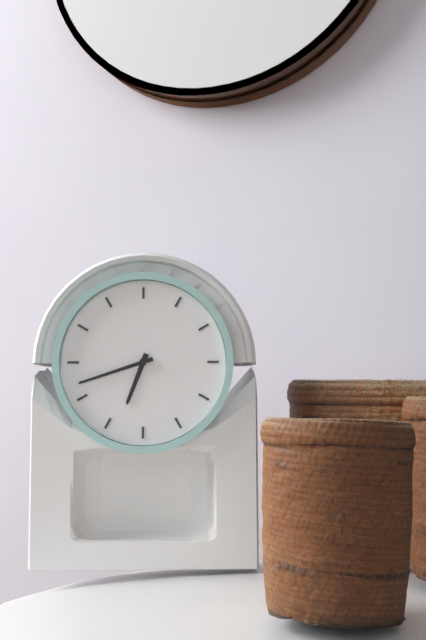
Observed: 6 h 42 min
